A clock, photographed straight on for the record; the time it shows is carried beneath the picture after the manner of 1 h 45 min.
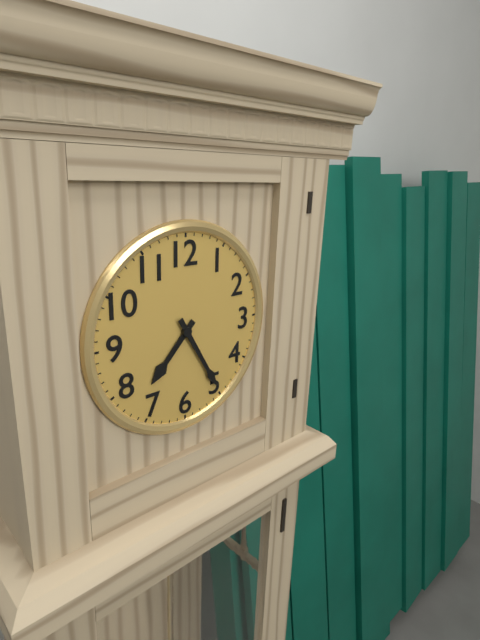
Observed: 7 h 25 min
